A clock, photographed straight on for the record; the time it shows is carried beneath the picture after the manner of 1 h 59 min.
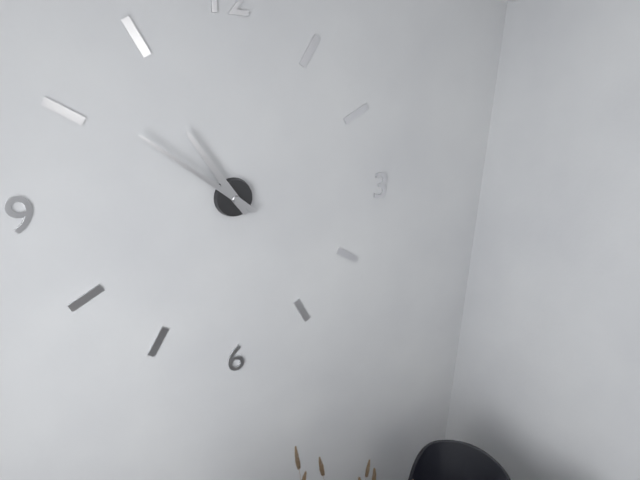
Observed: 10 h 51 min
